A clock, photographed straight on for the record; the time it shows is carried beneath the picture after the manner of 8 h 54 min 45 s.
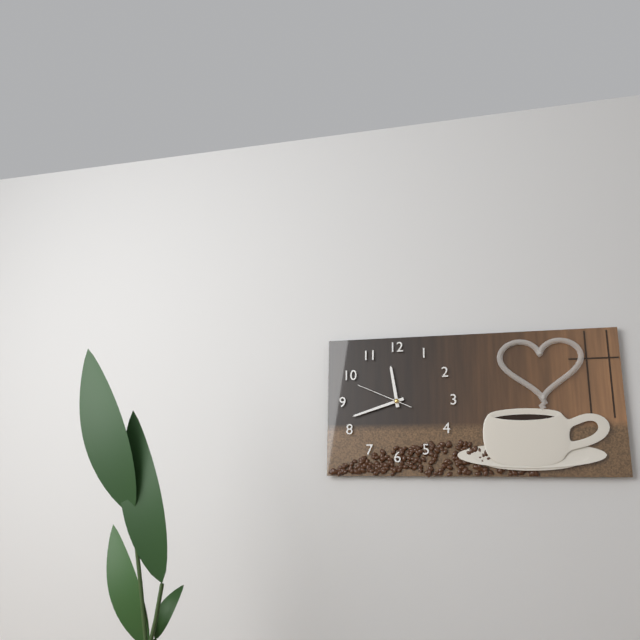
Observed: 11 h 42 min 49 s
